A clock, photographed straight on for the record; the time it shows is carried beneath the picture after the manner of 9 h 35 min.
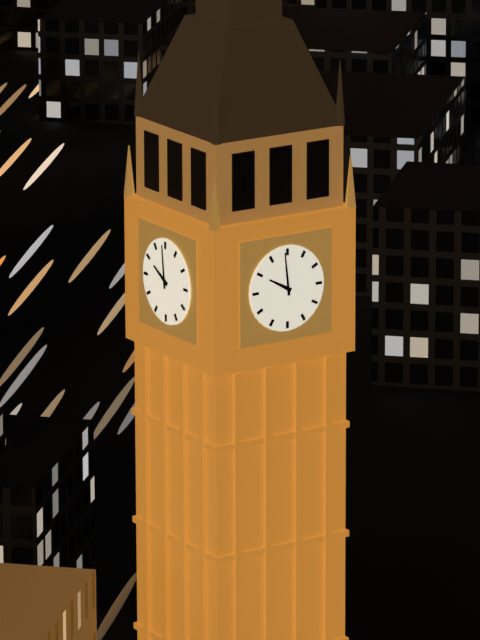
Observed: 9 h 59 min
